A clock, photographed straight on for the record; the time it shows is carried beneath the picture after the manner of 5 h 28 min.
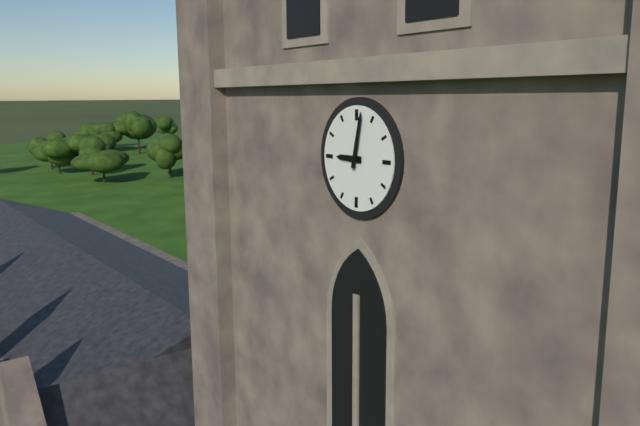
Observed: 9 h 02 min
